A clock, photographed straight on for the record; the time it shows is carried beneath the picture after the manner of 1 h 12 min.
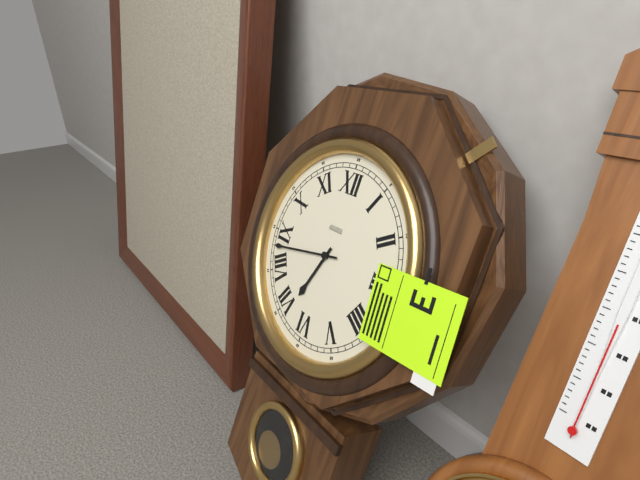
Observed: 6 h 43 min
